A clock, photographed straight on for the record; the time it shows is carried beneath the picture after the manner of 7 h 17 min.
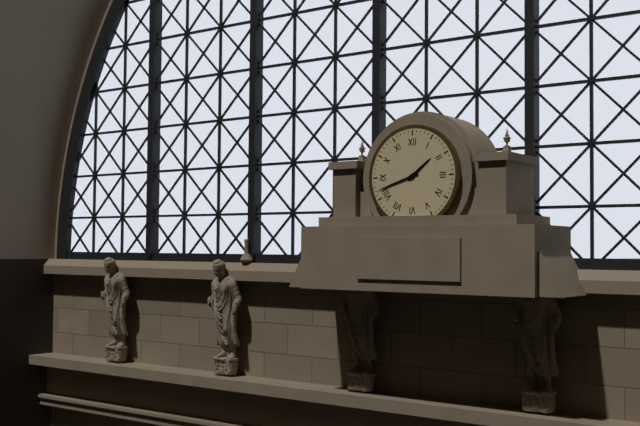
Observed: 1 h 42 min
